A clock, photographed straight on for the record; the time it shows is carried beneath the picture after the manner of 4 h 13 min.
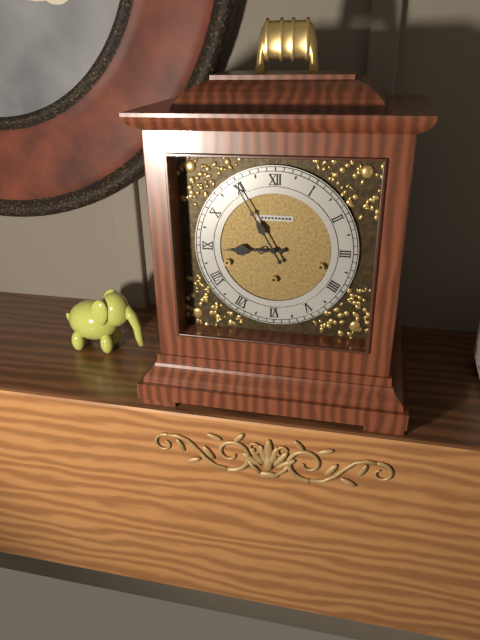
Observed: 8 h 55 min
